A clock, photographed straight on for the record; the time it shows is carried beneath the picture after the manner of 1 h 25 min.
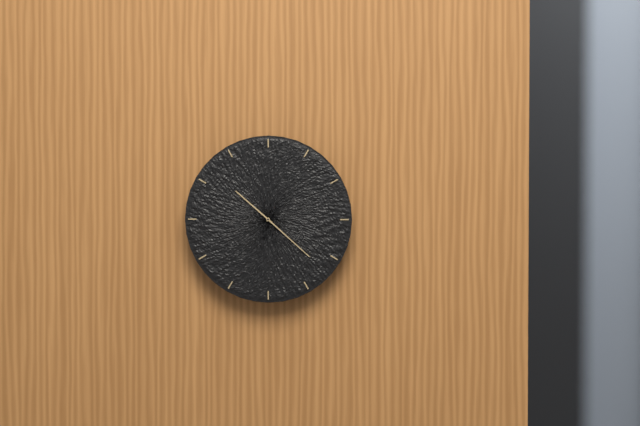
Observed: 10 h 22 min
